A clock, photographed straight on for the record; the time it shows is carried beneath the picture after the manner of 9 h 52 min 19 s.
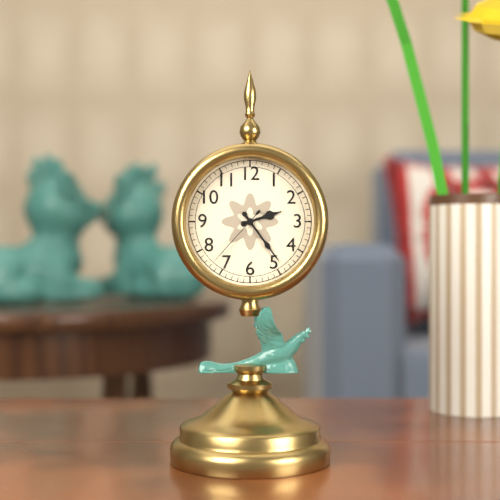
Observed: 2 h 24 min 37 s
